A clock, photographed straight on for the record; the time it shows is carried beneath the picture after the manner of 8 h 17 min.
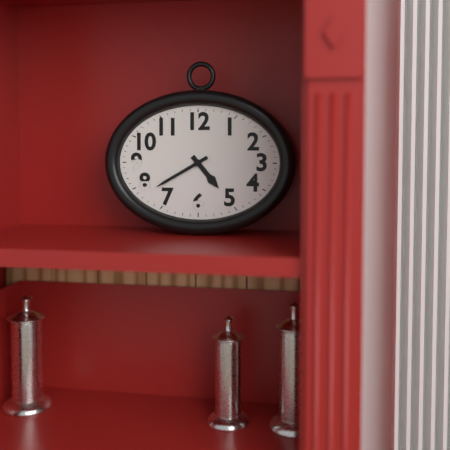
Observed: 4 h 40 min
